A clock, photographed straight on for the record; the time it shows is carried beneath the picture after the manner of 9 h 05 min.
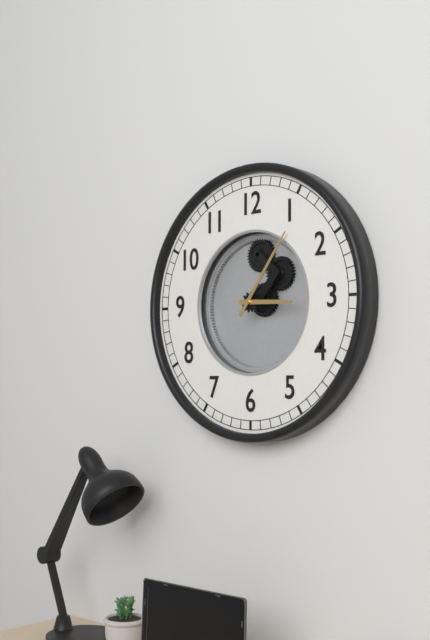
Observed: 3 h 06 min
